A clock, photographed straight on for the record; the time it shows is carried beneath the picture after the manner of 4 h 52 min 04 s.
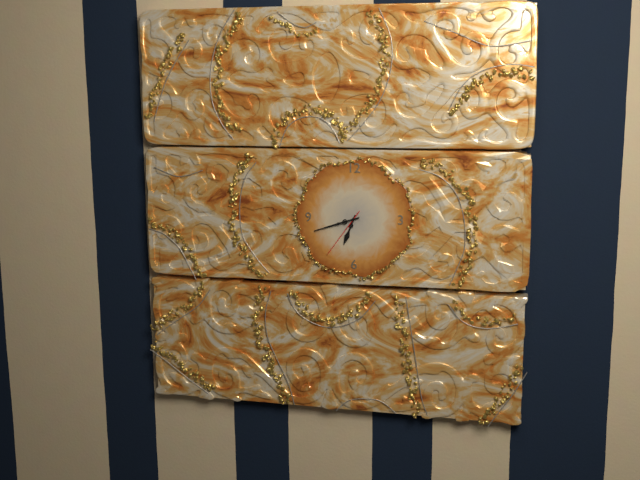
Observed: 6 h 42 min 36 s
